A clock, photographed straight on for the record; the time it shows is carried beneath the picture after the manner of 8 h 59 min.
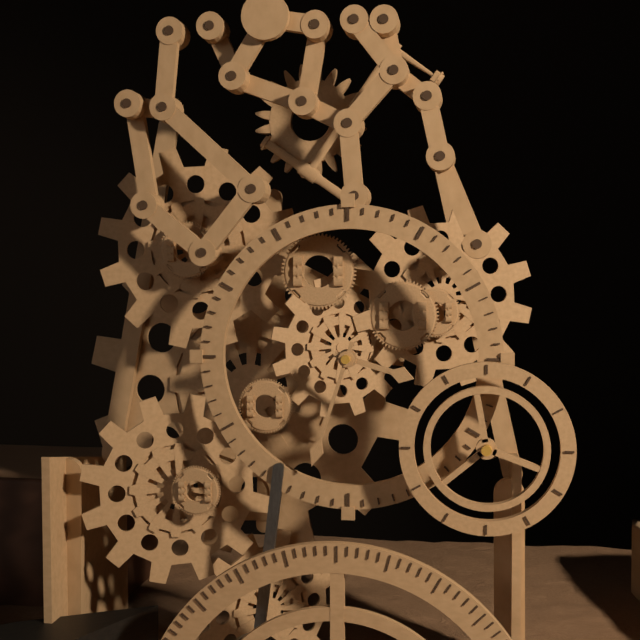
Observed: 3 h 33 min
